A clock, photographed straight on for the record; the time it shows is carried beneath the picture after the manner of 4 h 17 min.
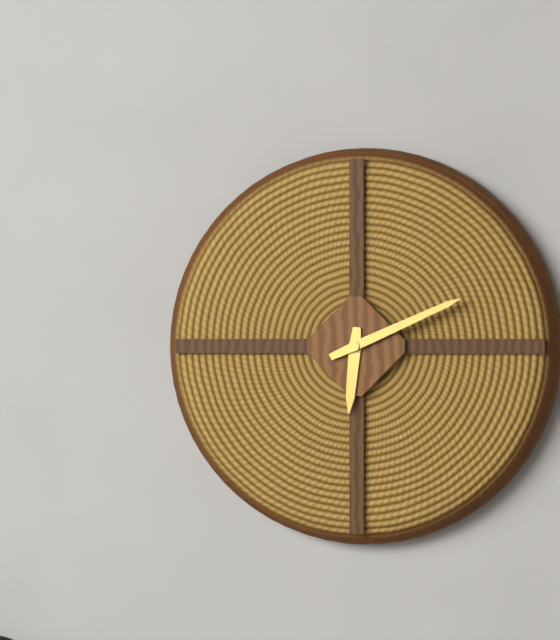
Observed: 6 h 11 min
